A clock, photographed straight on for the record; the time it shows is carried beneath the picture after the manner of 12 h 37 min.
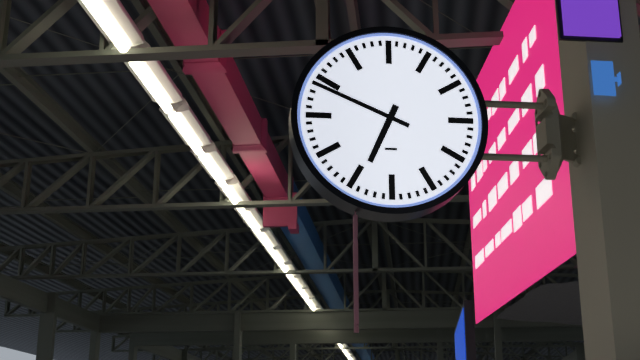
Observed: 6 h 49 min
